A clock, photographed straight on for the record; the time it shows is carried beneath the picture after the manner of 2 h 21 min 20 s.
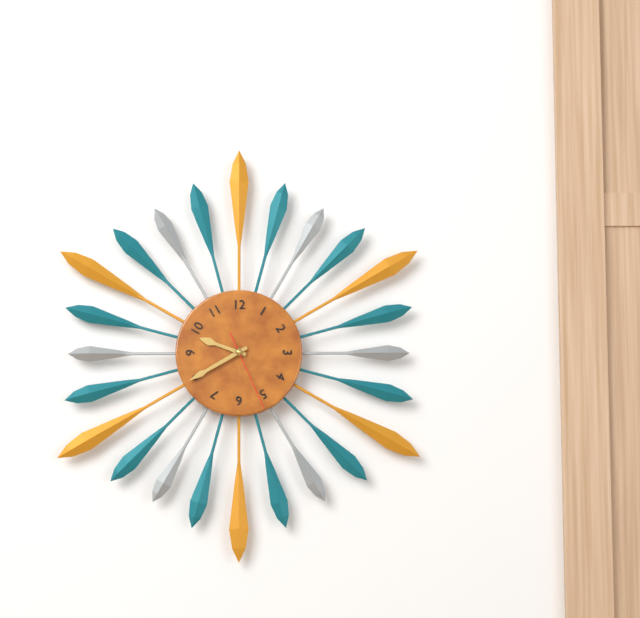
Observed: 9 h 40 min 26 s
